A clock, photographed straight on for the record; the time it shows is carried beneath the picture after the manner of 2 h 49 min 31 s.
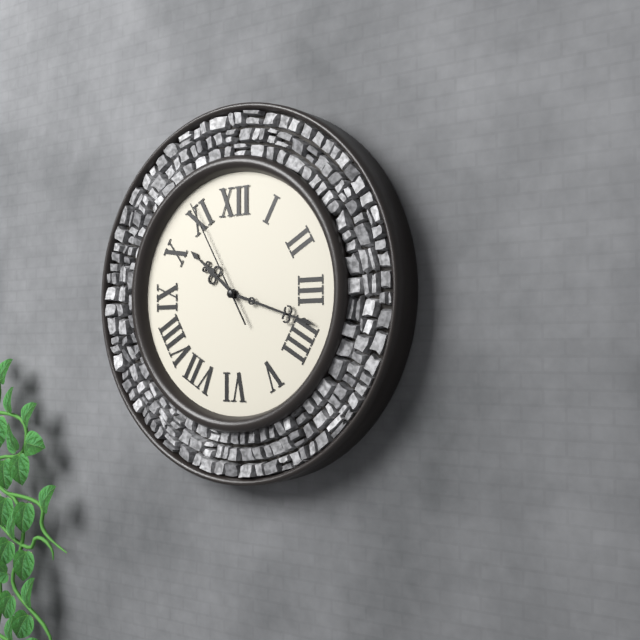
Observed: 10 h 18 min 55 s
